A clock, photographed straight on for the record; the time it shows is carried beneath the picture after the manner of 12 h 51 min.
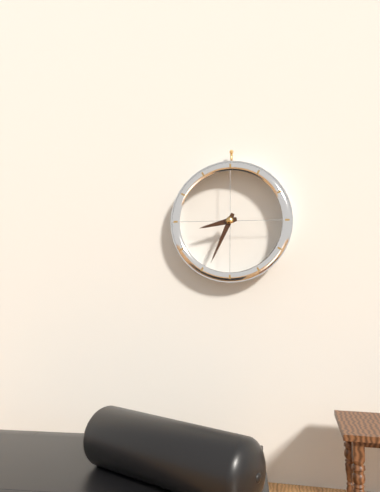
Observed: 8 h 34 min
